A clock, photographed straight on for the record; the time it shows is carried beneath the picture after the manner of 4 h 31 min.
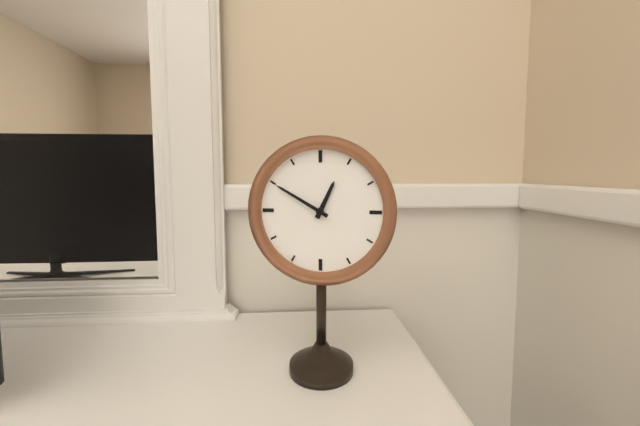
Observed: 12 h 50 min
